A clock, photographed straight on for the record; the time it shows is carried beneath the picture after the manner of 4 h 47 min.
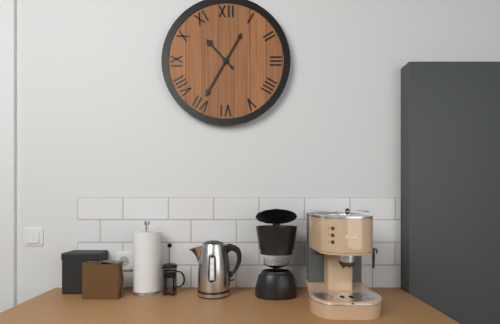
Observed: 10 h 35 min
